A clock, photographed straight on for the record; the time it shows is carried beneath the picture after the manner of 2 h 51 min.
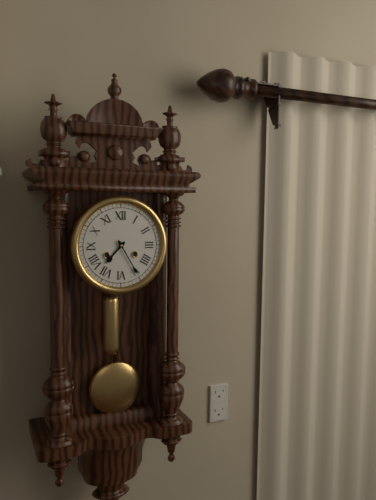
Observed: 7 h 25 min
